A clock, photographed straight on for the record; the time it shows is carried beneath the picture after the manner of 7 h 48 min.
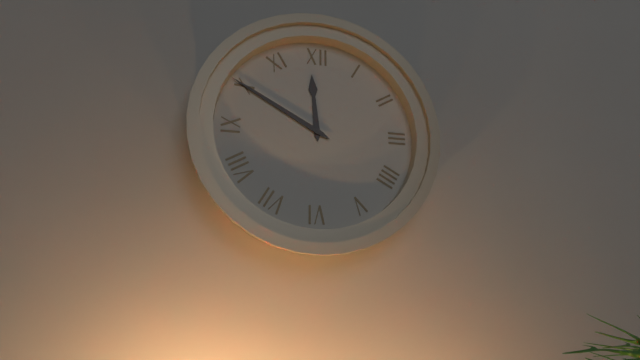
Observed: 11 h 50 min
